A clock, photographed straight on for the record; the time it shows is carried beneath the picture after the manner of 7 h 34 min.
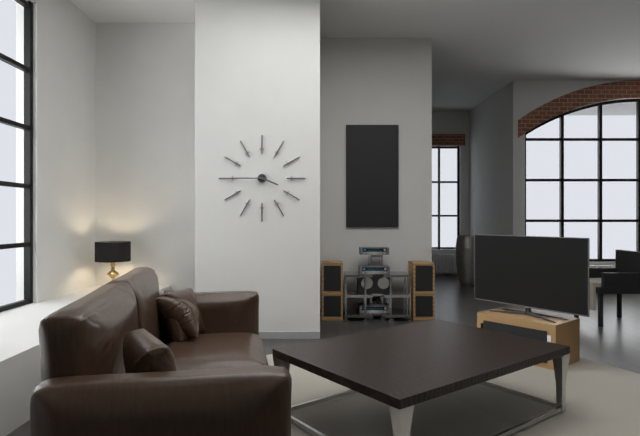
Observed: 3 h 45 min
